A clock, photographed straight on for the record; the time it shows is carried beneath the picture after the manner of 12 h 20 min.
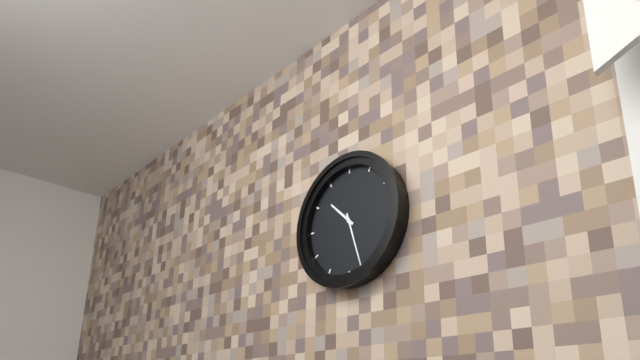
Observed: 10 h 27 min
